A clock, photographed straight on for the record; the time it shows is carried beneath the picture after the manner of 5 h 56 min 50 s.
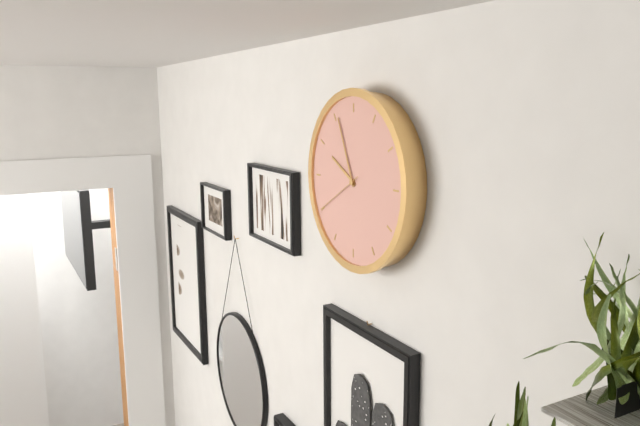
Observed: 9 h 56 min 40 s
